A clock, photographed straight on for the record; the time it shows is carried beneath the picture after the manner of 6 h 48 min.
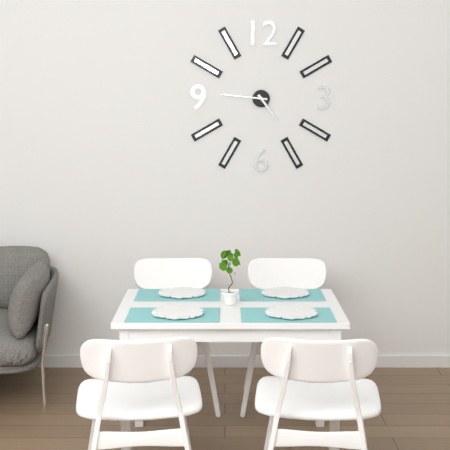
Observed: 4 h 46 min
